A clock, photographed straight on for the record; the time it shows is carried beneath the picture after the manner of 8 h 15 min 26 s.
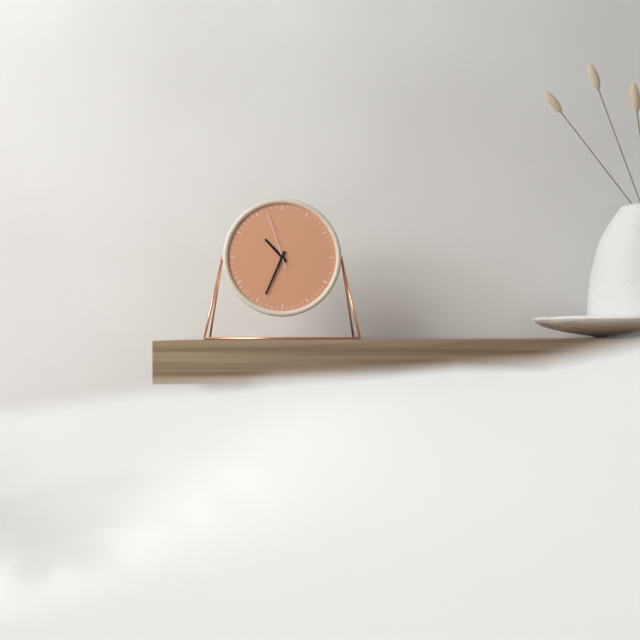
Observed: 10 h 34 min 57 s
